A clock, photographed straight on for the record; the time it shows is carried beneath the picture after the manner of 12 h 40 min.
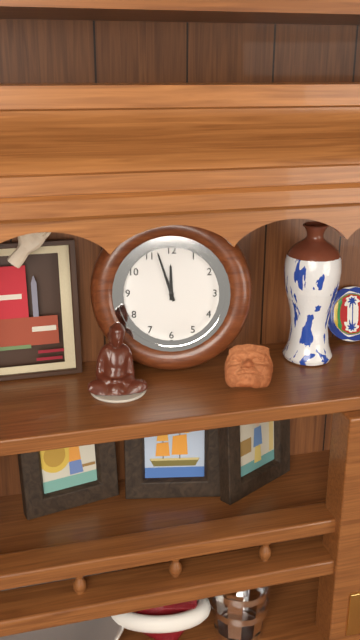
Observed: 11 h 57 min
